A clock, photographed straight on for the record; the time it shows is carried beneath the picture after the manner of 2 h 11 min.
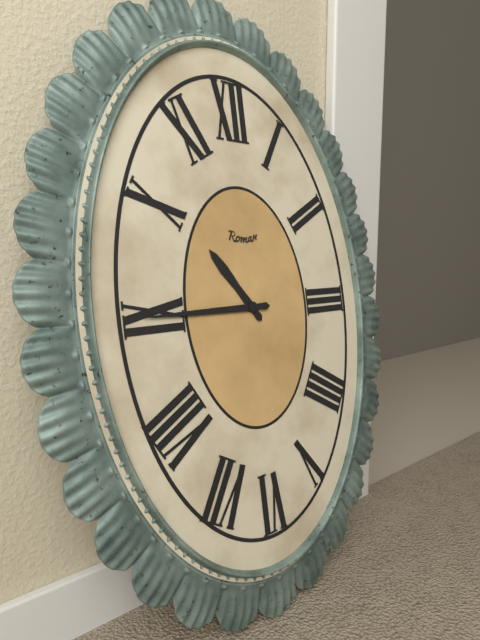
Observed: 10 h 45 min
